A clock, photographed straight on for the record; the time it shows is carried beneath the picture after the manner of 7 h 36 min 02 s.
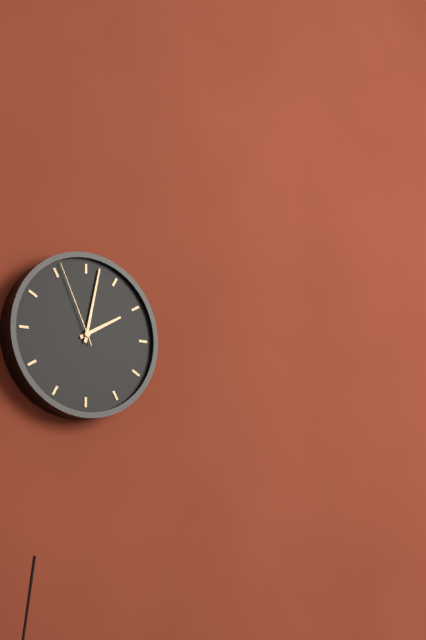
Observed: 2 h 02 min 56 s
